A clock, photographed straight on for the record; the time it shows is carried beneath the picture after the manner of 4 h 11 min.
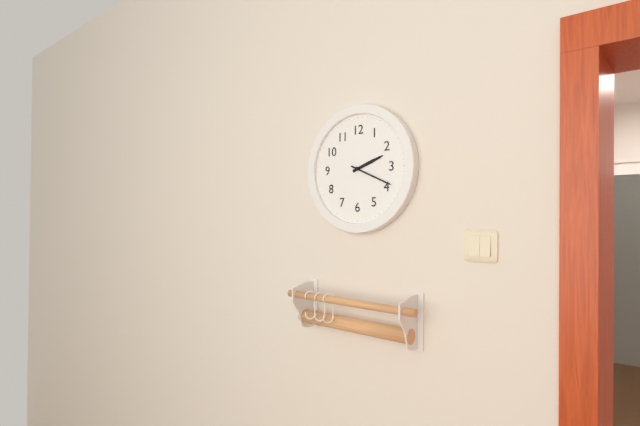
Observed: 2 h 19 min
